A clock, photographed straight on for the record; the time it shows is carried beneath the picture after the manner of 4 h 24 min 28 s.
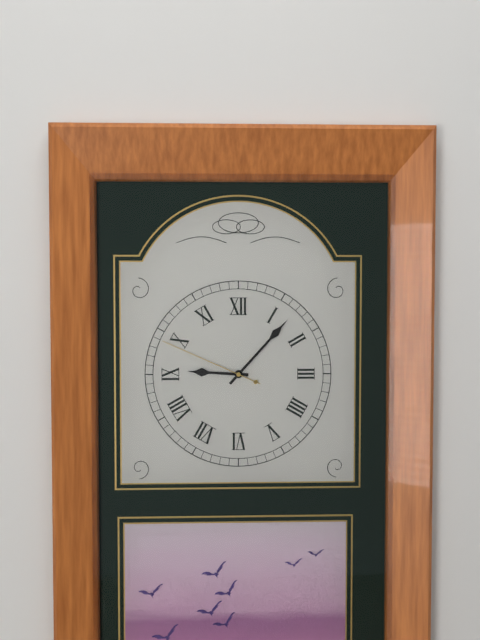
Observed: 9 h 07 min 49 s
